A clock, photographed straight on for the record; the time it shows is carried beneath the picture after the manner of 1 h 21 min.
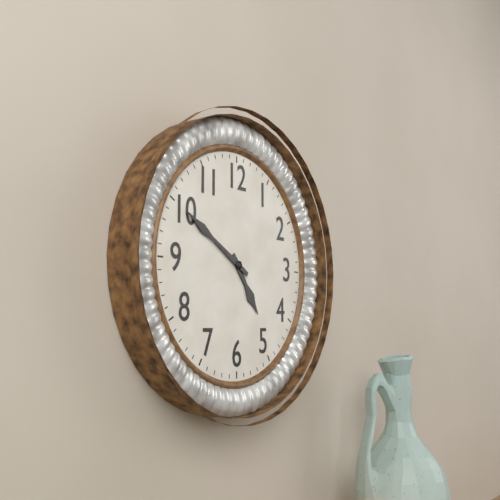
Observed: 4 h 50 min
